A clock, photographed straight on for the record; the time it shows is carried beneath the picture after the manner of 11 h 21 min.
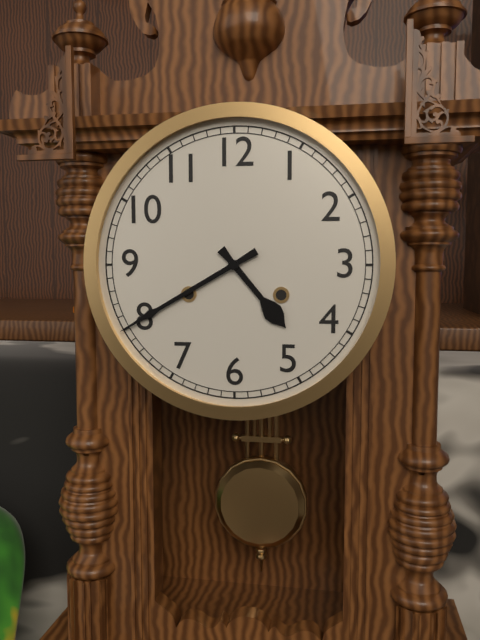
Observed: 4 h 40 min
